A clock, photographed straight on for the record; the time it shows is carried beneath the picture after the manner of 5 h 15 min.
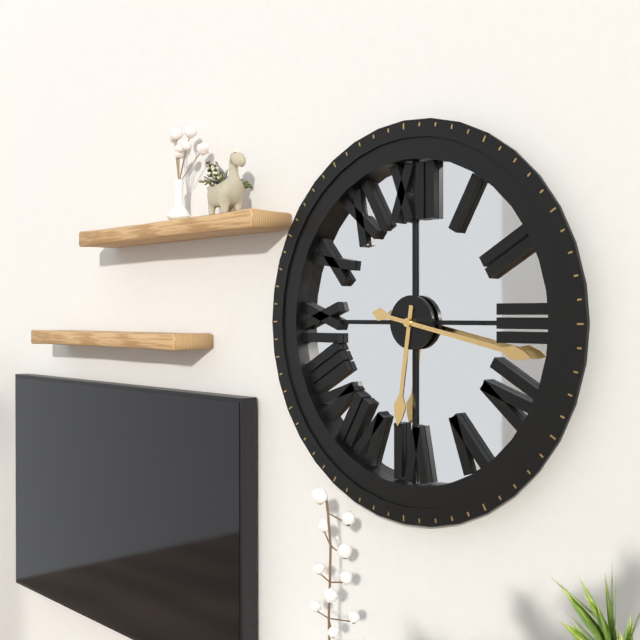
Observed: 6 h 17 min
